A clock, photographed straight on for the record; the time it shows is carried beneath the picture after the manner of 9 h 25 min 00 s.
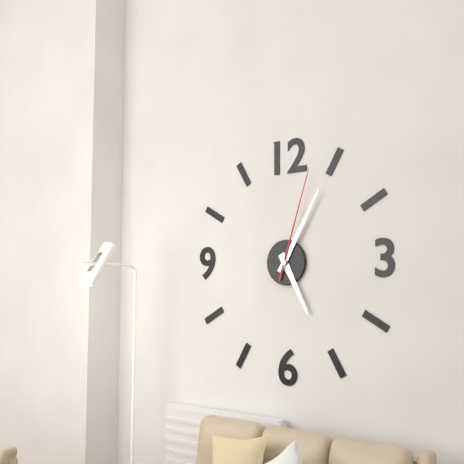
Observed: 5 h 05 min 03 s
